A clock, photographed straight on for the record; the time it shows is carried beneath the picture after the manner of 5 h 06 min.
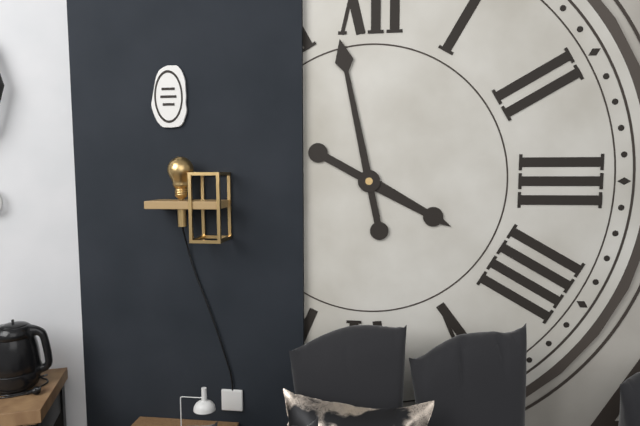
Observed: 3 h 58 min
